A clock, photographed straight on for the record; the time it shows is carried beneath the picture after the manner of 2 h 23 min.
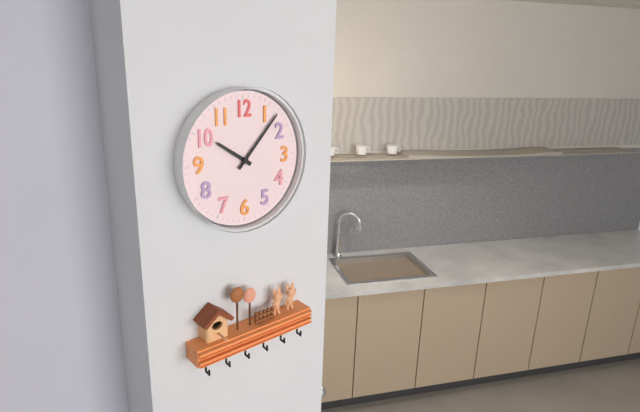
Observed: 10 h 07 min
